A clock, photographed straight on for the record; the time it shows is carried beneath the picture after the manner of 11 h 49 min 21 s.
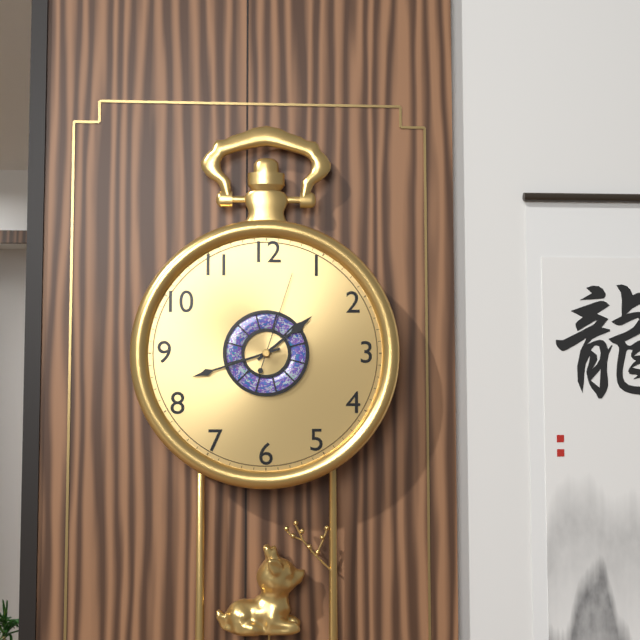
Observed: 1 h 42 min 03 s
